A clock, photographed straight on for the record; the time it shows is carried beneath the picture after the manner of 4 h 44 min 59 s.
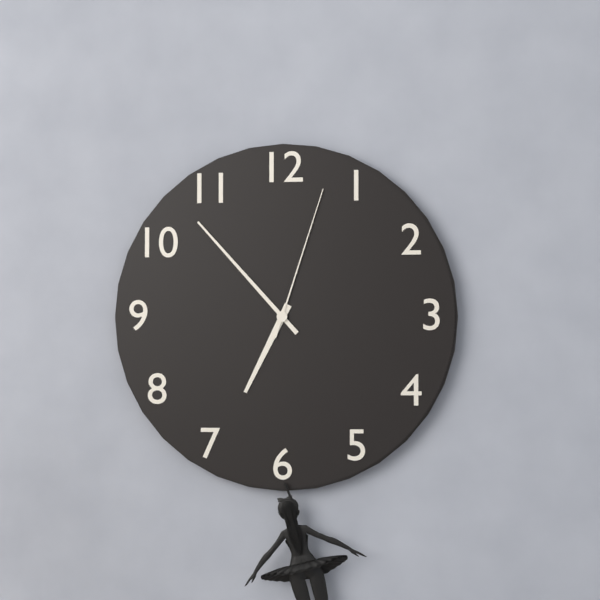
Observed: 6 h 53 min 03 s
